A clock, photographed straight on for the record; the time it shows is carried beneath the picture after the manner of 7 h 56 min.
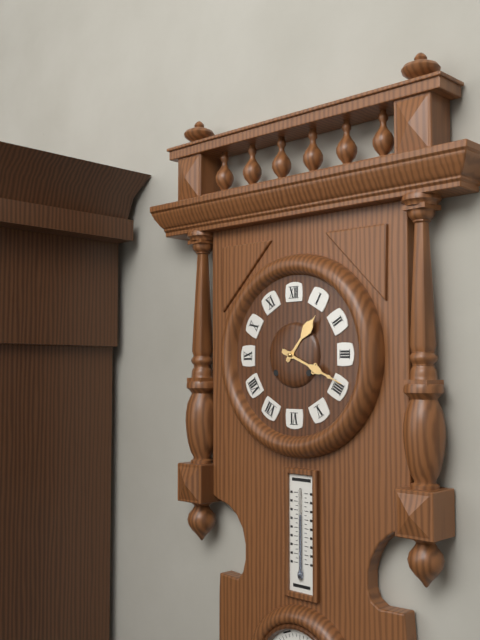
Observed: 1 h 19 min
